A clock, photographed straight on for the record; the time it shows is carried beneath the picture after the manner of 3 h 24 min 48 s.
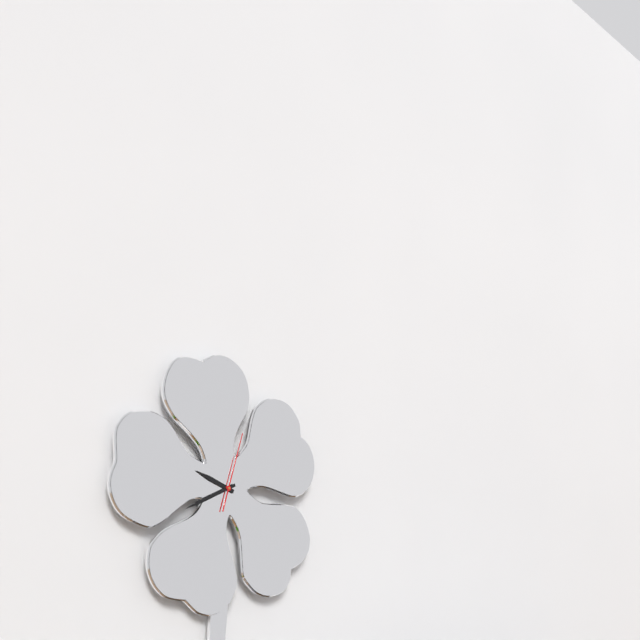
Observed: 9 h 41 min 03 s
